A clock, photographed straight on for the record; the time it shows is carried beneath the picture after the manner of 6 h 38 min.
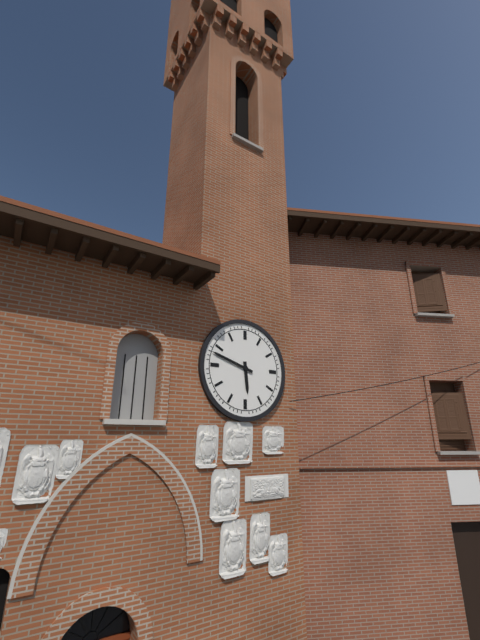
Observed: 5 h 48 min
